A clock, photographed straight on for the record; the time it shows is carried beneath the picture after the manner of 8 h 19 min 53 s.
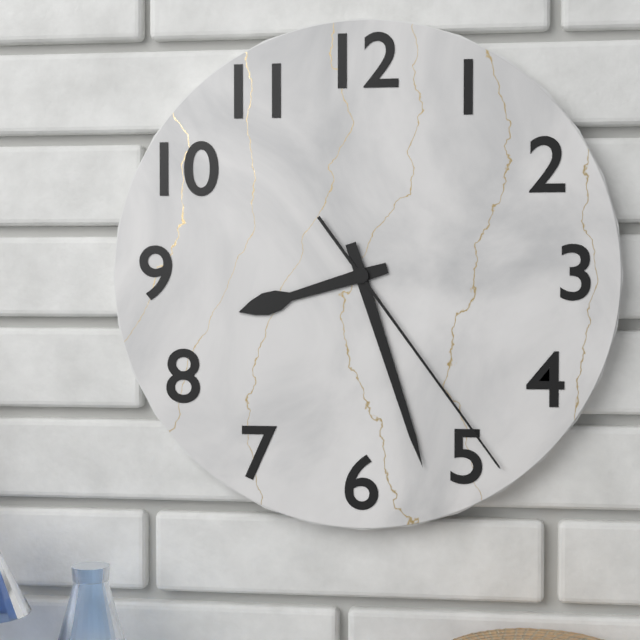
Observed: 8 h 27 min 24 s
